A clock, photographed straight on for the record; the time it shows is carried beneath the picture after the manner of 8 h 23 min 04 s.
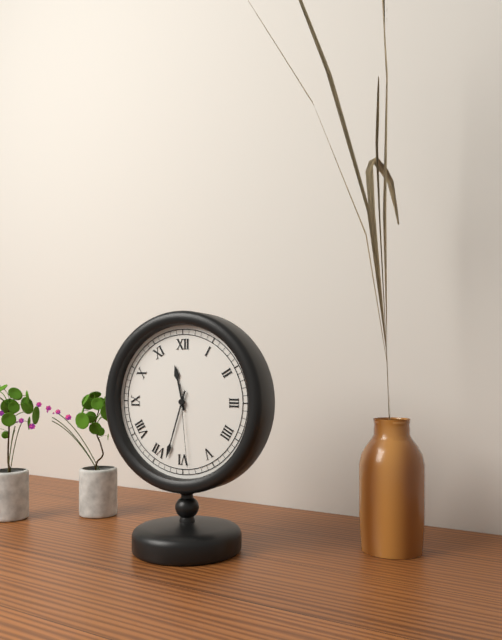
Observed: 11 h 33 min 29 s
